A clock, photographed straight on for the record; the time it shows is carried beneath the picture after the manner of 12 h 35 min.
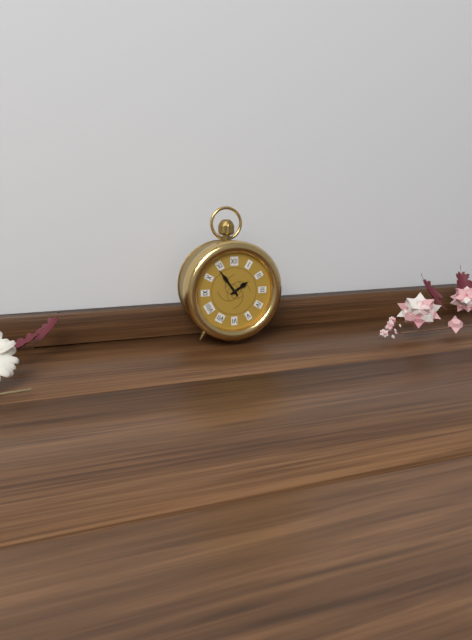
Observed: 1 h 54 min
